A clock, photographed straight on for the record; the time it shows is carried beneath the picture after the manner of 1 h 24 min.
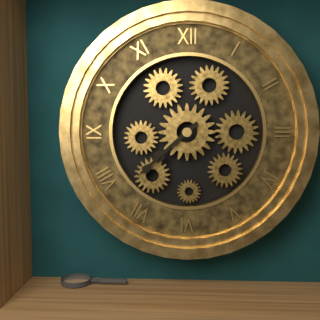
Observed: 7 h 38 min
